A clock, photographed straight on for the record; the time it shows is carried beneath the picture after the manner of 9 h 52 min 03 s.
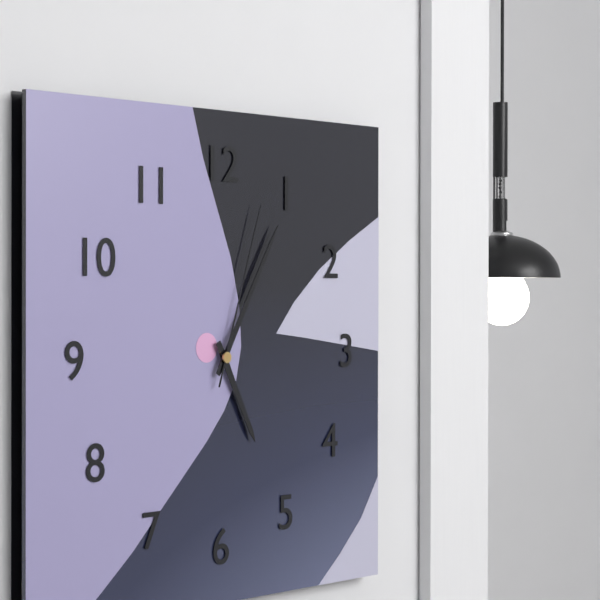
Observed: 5 h 05 min 03 s
